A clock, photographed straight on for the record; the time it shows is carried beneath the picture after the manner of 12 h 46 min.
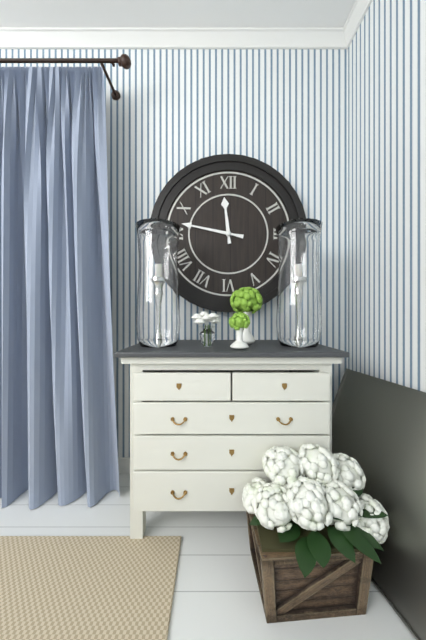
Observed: 11 h 47 min
